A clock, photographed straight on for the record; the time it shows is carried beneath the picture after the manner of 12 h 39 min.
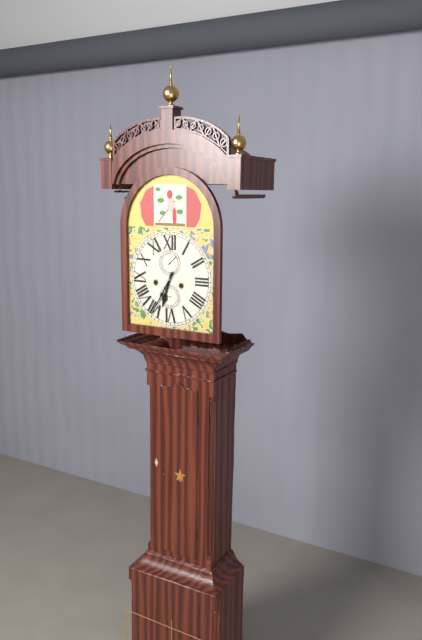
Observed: 6 h 35 min
